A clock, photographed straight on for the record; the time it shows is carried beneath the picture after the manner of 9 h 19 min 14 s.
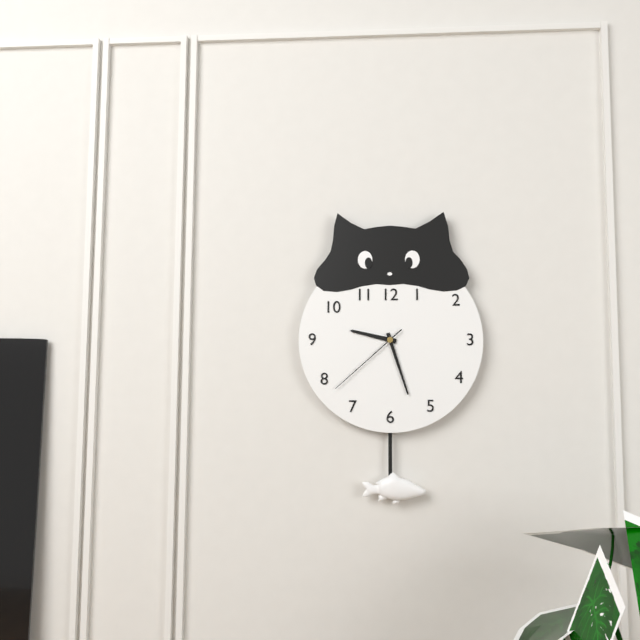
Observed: 9 h 27 min 38 s
